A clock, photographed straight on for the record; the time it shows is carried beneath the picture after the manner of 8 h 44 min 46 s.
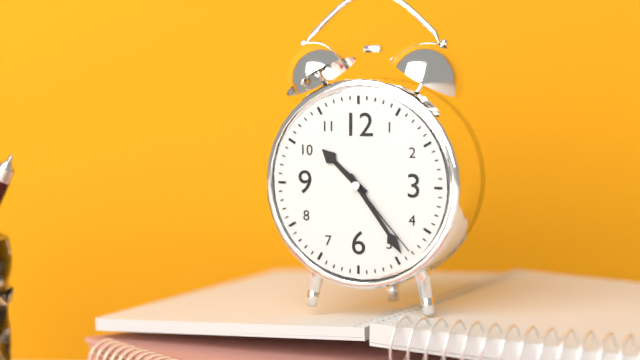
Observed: 10 h 24 min 23 s
